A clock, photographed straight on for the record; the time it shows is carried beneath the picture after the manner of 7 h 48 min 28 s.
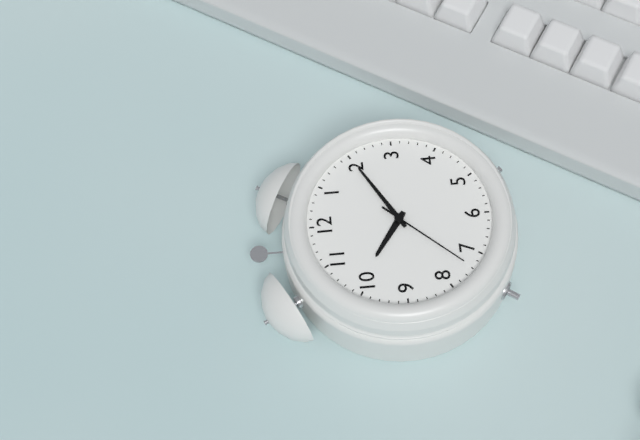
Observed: 10 h 10 min 37 s
